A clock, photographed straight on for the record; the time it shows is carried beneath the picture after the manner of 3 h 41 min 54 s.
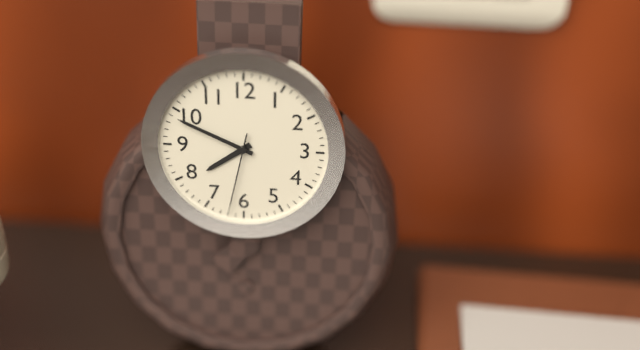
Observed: 7 h 49 min 32 s
